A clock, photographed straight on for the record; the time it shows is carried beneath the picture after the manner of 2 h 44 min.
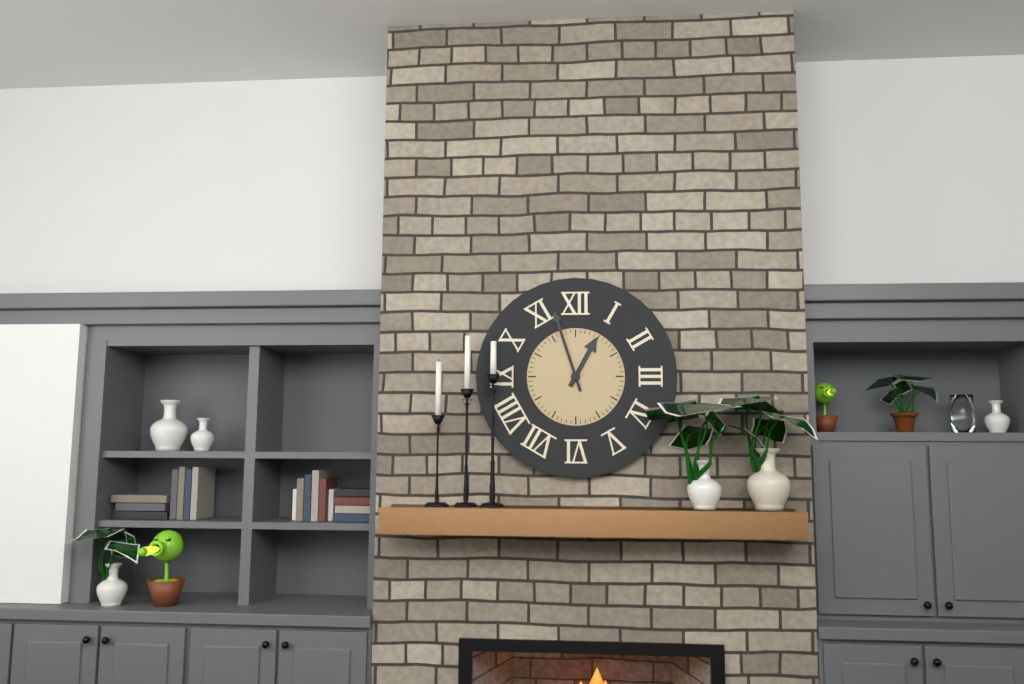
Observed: 12 h 57 min
